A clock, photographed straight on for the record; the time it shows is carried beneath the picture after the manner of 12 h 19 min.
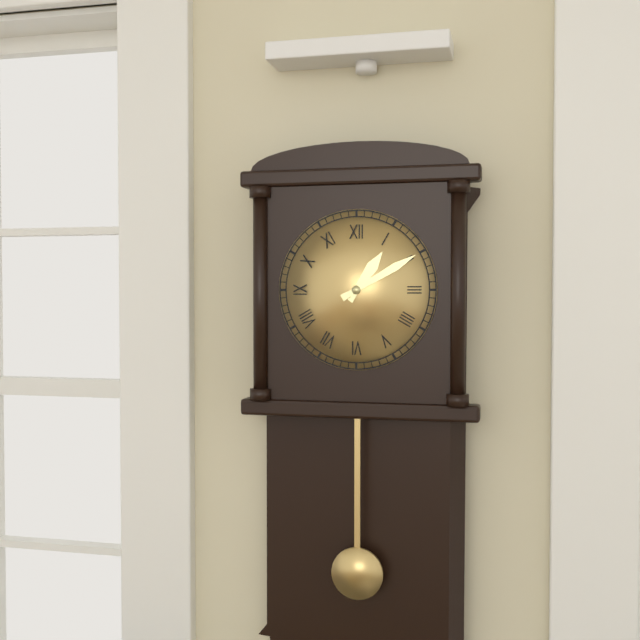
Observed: 1 h 10 min
